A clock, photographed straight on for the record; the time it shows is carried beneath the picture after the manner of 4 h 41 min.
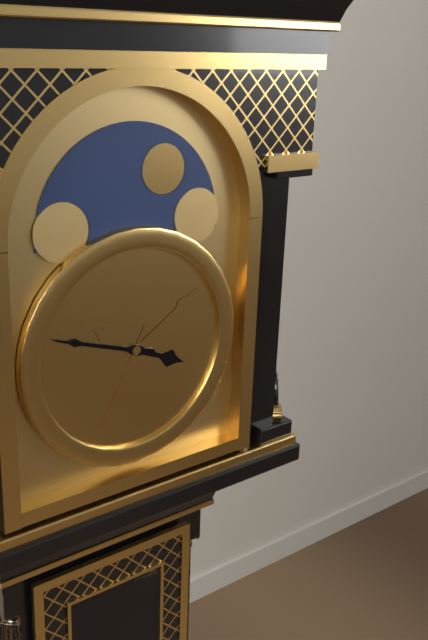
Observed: 3 h 48 min
